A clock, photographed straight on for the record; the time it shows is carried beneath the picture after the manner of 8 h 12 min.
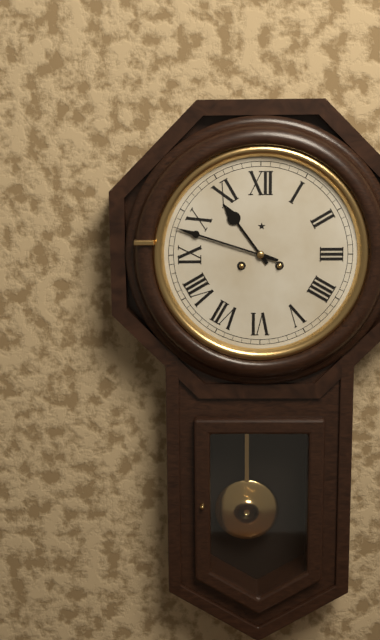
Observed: 10 h 48 min
